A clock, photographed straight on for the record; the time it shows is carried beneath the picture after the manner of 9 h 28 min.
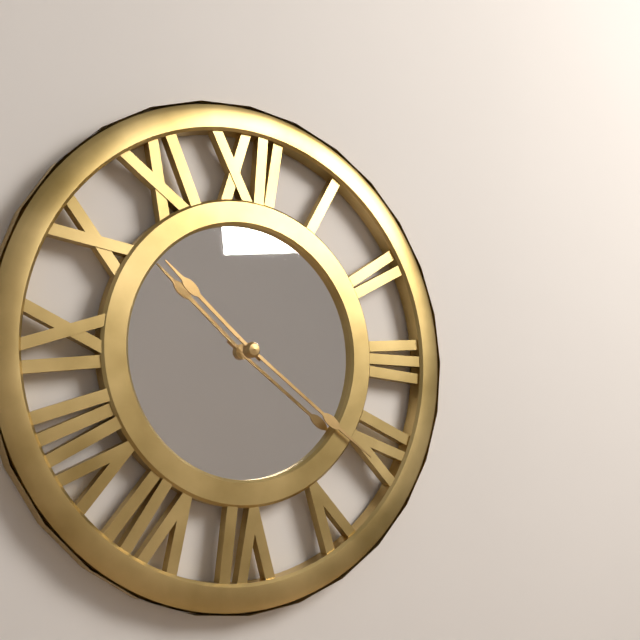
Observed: 10 h 21 min
